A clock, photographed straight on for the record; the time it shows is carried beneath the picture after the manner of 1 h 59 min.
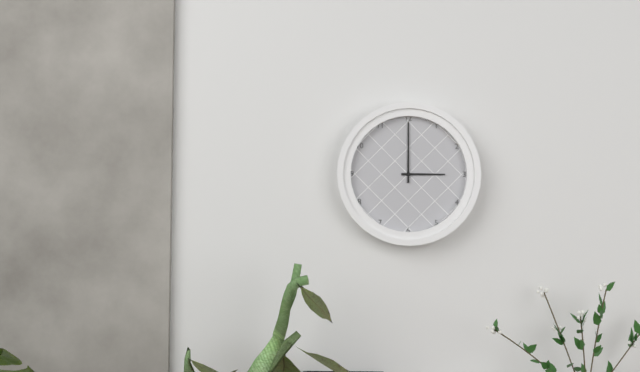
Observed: 3 h 00 min
